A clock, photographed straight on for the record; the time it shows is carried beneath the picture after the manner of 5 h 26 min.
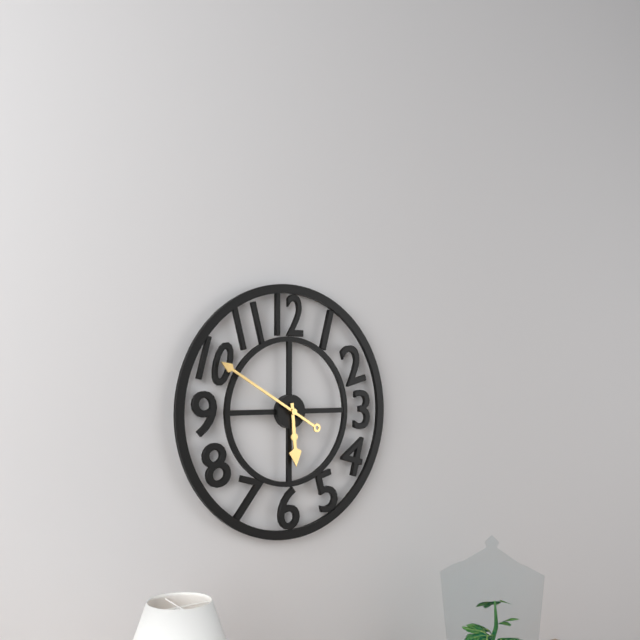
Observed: 5 h 50 min
